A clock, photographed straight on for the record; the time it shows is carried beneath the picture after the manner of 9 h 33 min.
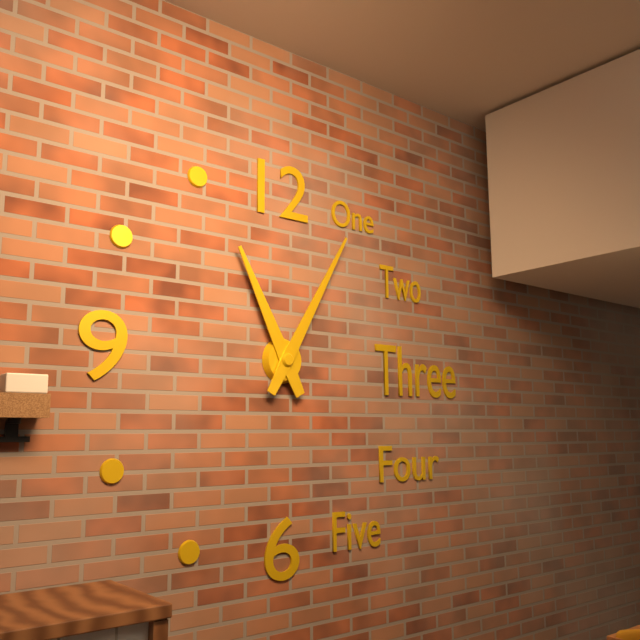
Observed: 11 h 05 min
